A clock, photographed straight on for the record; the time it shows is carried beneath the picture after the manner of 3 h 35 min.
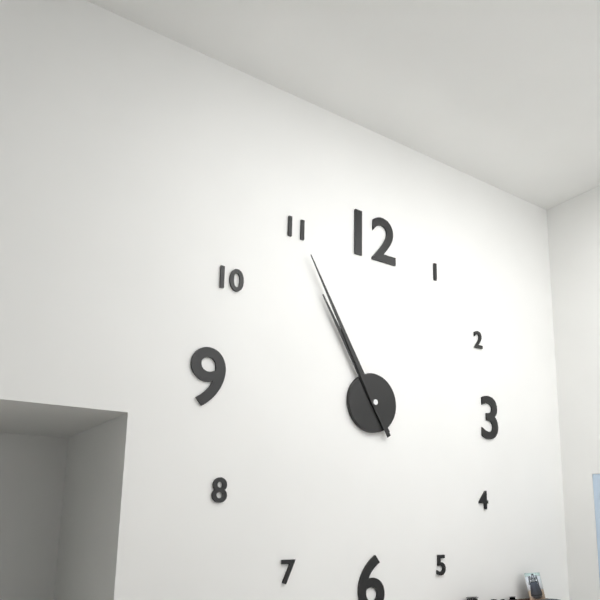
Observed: 10 h 55 min
